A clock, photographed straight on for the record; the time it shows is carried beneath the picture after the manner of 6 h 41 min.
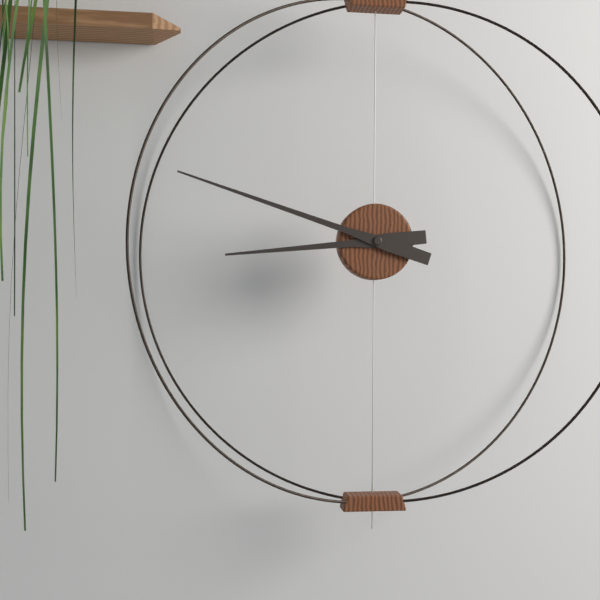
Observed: 8 h 48 min
